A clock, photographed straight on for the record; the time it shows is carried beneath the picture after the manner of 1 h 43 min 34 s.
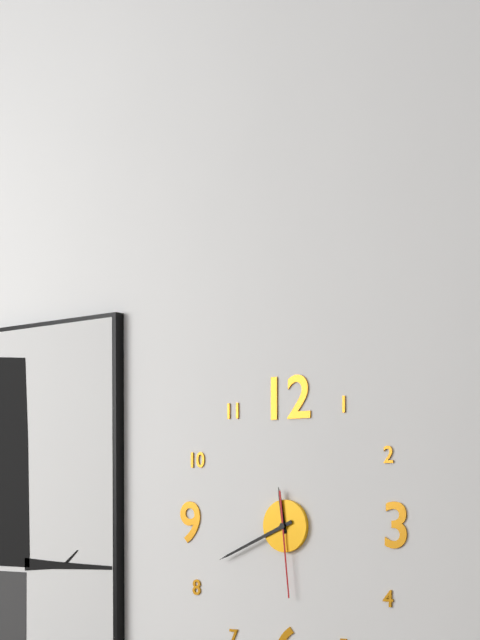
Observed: 11 h 41 min 29 s
